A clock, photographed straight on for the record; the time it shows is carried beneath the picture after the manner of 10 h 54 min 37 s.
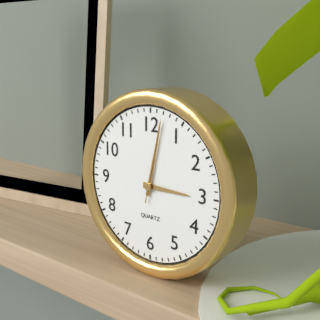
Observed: 3 h 02 min 02 s
